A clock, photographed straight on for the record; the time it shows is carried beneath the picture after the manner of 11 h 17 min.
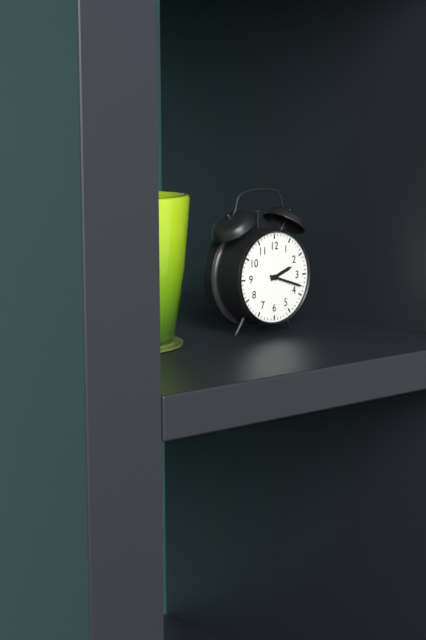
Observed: 2 h 18 min
